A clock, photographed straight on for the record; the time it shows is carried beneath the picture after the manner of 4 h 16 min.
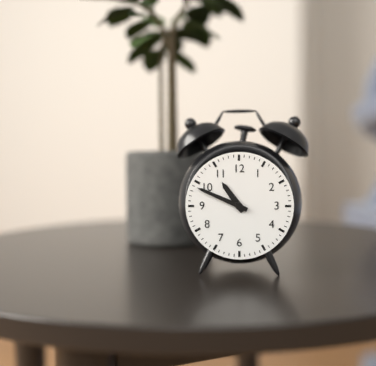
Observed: 10 h 49 min
